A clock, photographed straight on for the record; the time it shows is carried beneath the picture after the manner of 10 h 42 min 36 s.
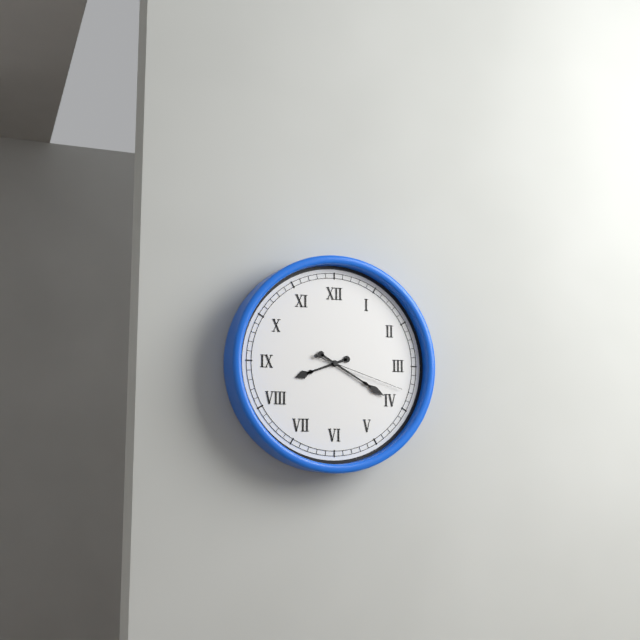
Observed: 8 h 20 min 18 s
